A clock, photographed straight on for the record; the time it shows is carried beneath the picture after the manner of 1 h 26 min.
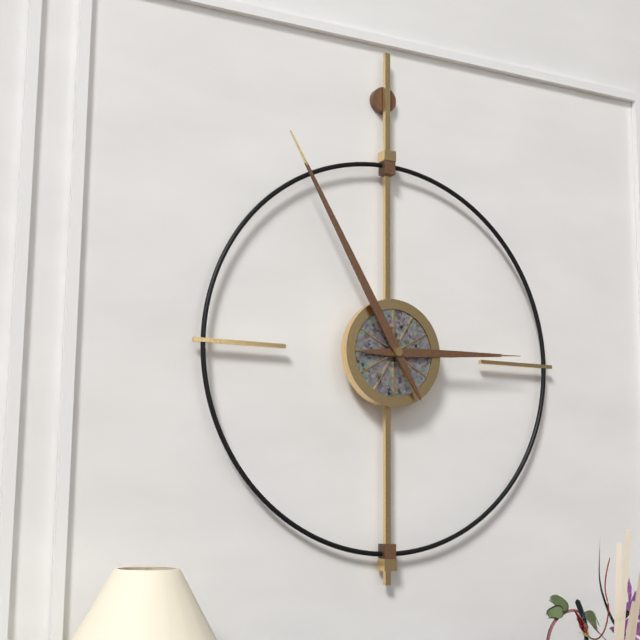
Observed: 2 h 55 min
